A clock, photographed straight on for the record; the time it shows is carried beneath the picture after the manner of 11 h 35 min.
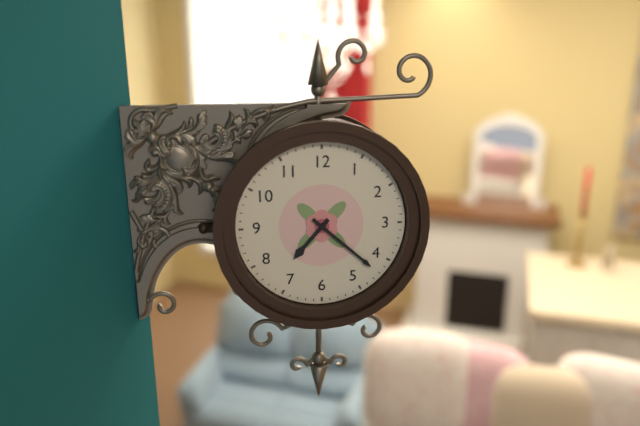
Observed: 7 h 22 min
